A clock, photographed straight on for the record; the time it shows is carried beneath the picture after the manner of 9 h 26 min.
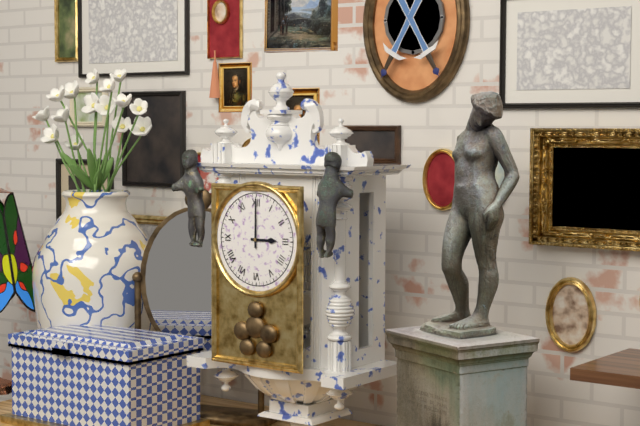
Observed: 3 h 00 min
